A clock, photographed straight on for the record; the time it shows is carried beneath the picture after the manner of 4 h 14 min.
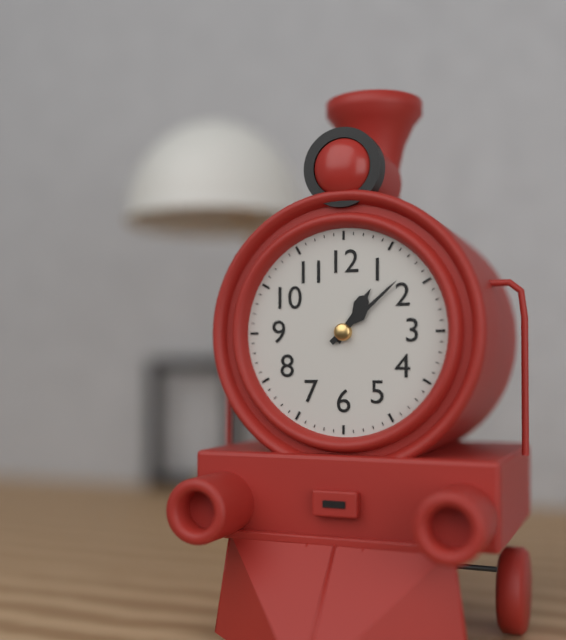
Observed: 1 h 08 min
